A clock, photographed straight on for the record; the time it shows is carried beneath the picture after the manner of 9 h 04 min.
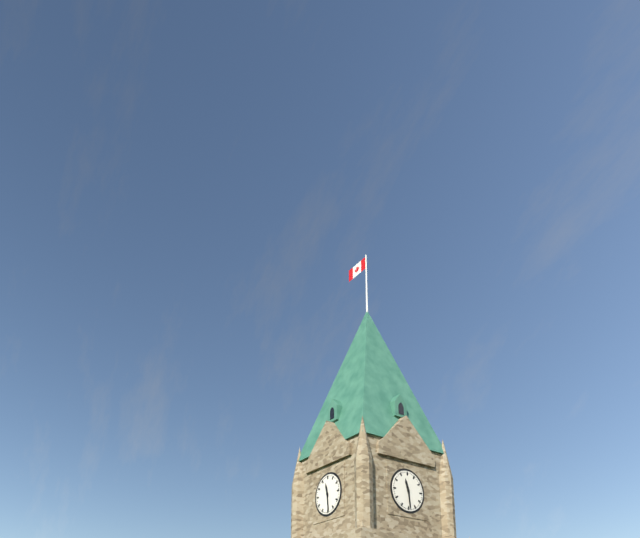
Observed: 11 h 29 min
